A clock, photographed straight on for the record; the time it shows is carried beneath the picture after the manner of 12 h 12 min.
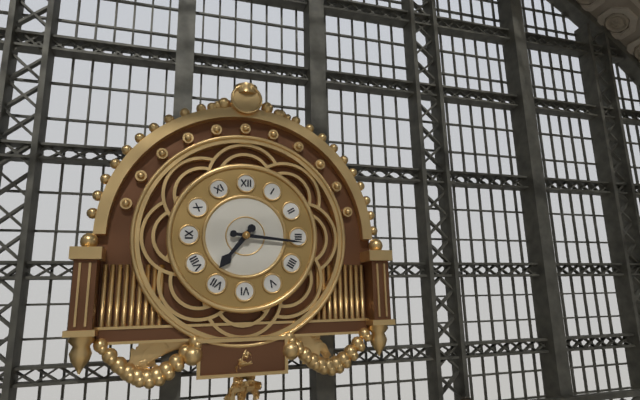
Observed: 7 h 16 min
